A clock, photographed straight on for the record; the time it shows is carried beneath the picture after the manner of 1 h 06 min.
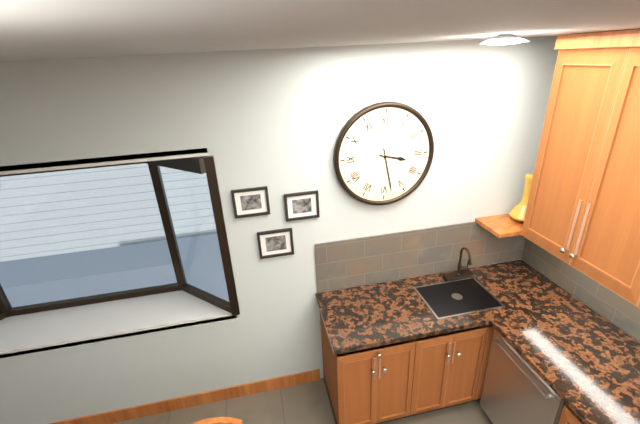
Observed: 3 h 28 min
